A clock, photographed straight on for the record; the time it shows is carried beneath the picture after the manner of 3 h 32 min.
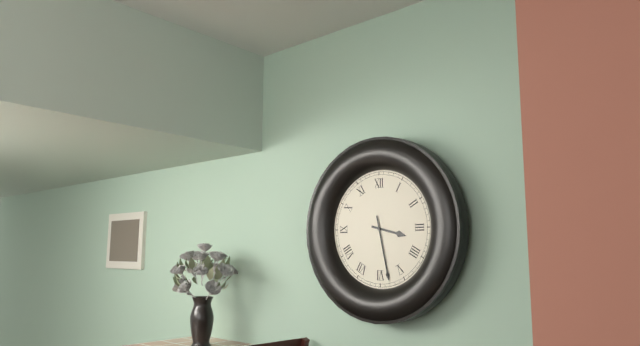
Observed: 3 h 28 min
